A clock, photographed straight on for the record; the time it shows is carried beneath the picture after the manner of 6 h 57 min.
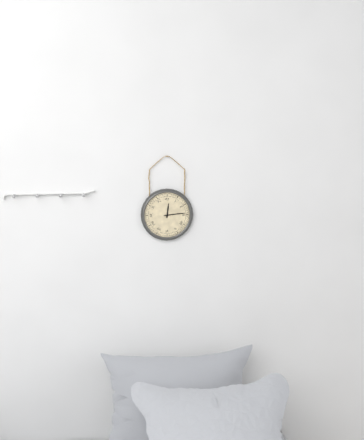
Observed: 12 h 14 min
